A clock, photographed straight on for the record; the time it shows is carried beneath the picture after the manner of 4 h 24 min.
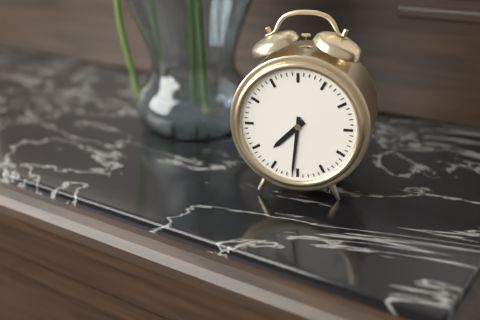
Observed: 7 h 31 min
